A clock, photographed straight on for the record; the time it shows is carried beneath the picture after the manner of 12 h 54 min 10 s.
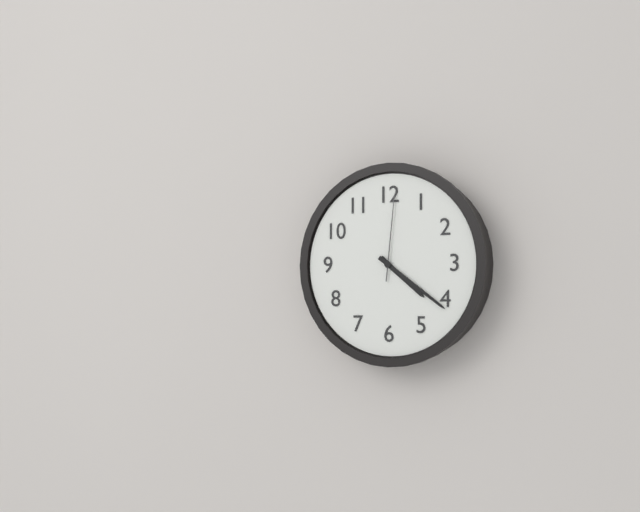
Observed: 4 h 21 min 01 s
